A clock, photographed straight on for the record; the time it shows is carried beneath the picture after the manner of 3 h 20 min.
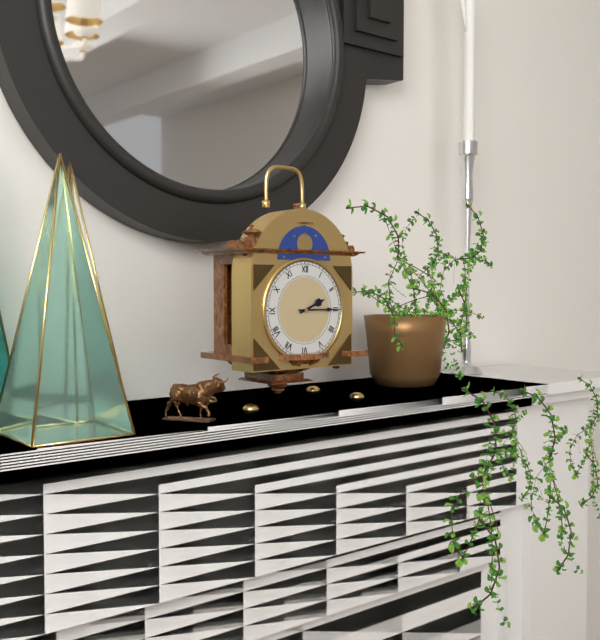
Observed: 2 h 15 min
